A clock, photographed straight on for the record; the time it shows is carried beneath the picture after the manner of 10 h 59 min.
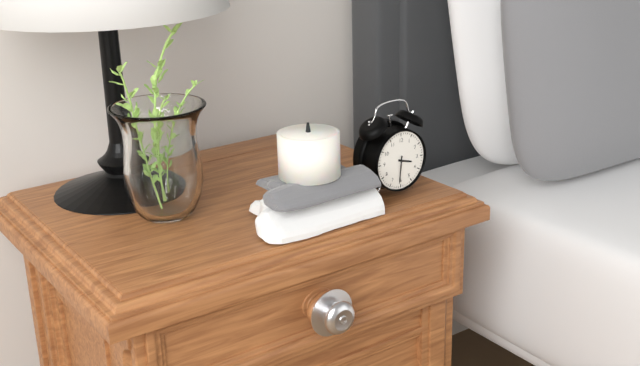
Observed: 3 h 31 min
